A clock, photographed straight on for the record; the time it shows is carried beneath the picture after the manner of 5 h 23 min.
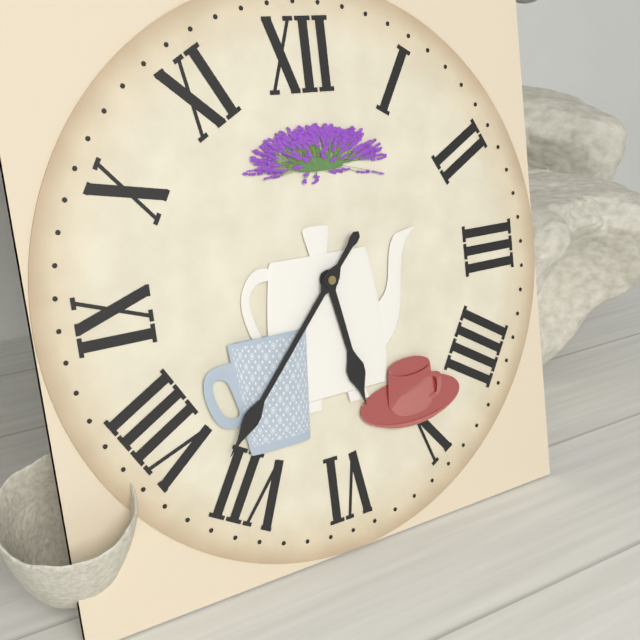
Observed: 5 h 37 min
